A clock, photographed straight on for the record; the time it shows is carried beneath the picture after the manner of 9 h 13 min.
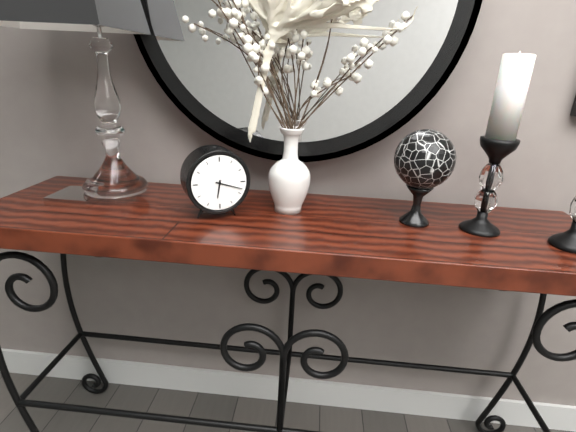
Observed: 6 h 18 min
